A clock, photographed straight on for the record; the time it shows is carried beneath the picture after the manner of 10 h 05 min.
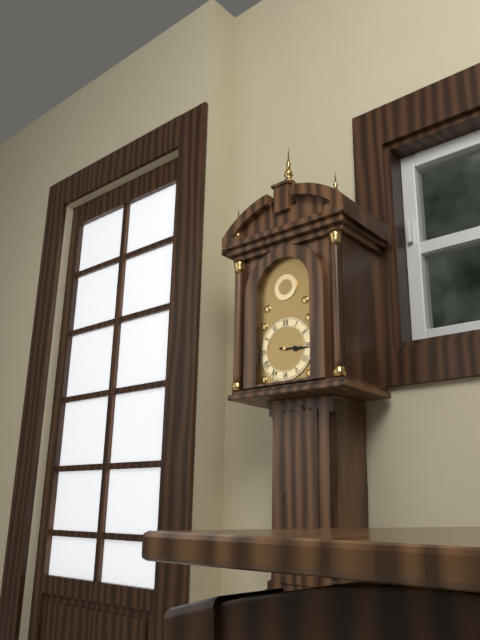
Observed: 3 h 16 min
